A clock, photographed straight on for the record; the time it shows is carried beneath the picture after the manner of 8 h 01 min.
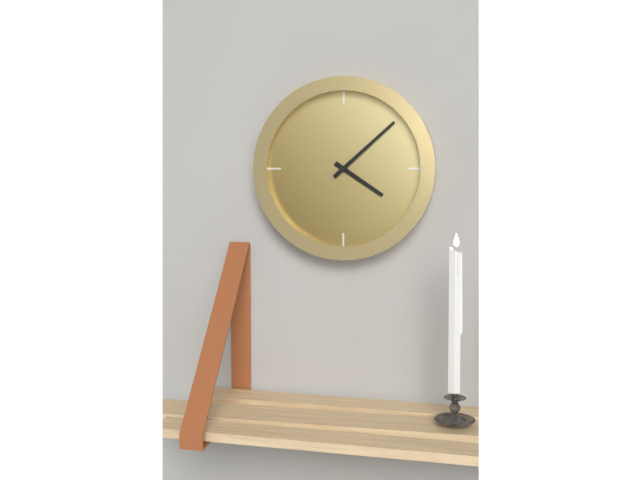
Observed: 4 h 08 min
